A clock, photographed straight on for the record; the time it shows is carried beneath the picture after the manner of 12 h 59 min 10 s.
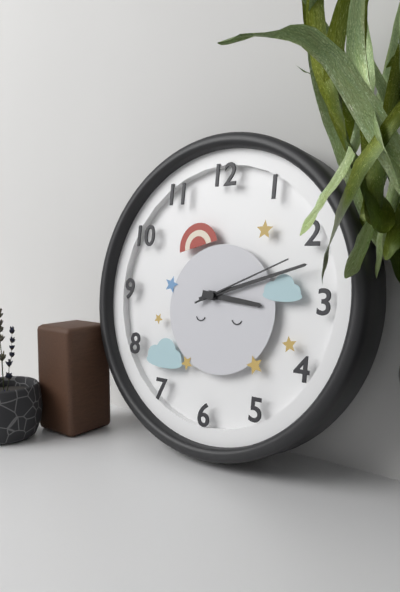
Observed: 3 h 12 min 11 s
